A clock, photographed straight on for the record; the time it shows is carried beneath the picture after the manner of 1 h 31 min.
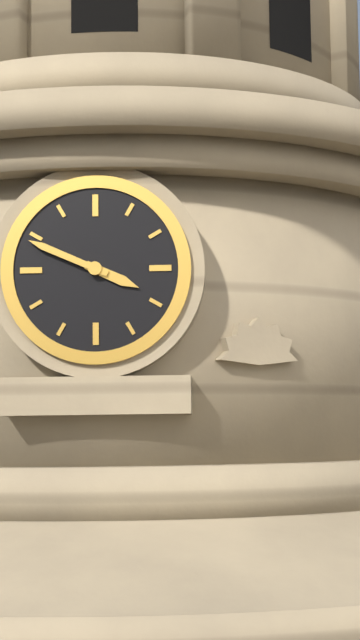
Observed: 3 h 49 min
